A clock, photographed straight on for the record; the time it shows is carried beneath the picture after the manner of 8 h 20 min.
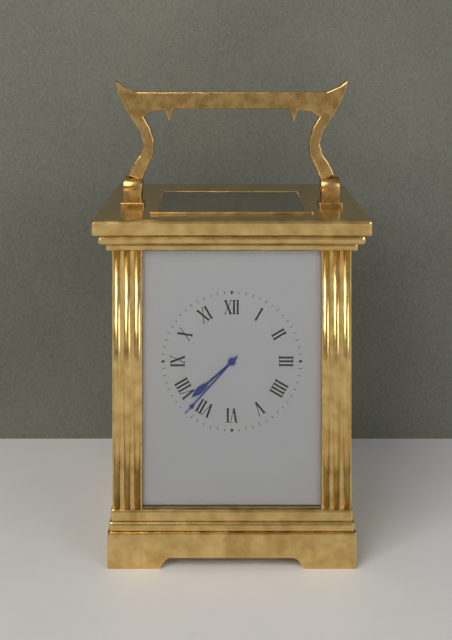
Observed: 7 h 37 min
